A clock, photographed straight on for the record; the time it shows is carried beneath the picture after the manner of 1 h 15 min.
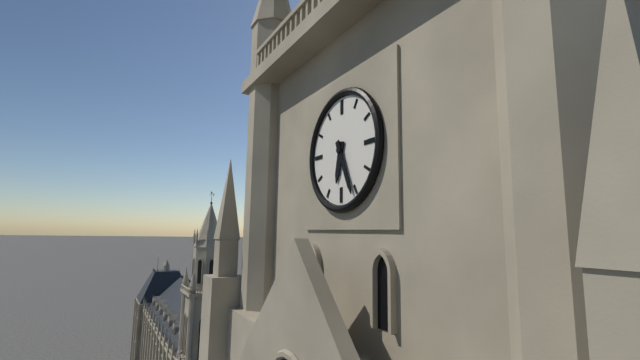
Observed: 6 h 26 min
